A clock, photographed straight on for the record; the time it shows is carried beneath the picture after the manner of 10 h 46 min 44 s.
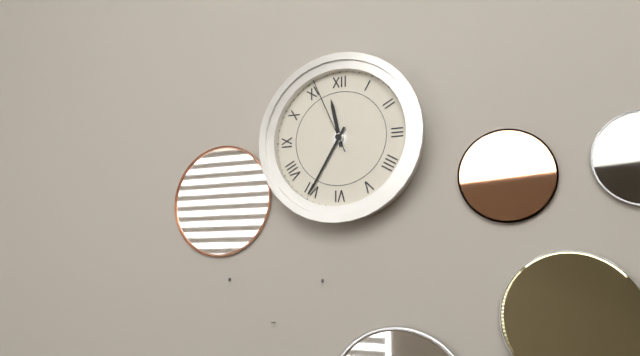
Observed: 11 h 35 min 56 s
